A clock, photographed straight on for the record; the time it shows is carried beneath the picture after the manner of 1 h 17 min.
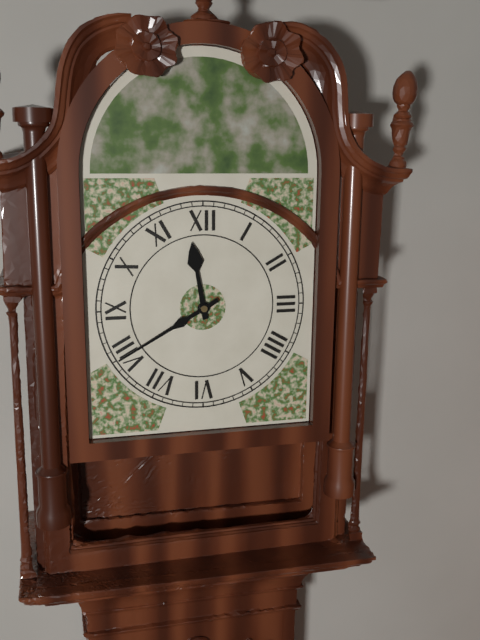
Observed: 11 h 40 min
